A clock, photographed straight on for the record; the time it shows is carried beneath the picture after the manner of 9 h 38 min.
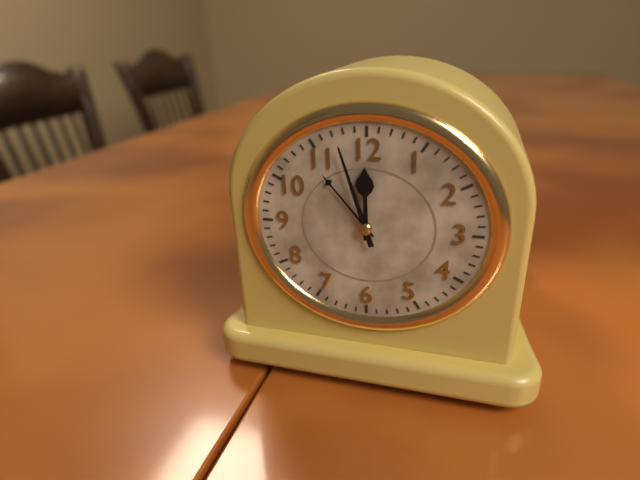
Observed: 11 h 57 min
